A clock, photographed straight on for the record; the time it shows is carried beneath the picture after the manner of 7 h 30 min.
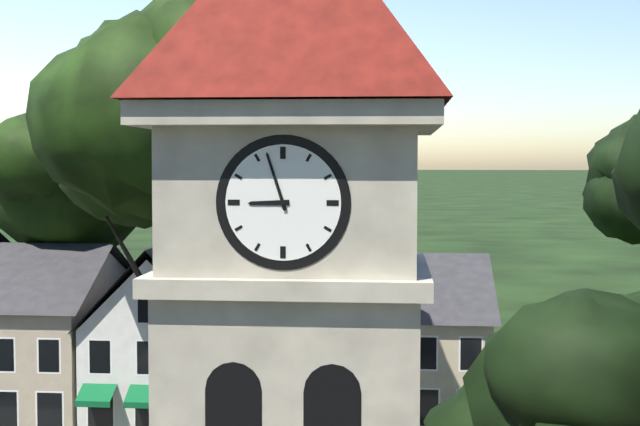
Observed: 8 h 57 min
